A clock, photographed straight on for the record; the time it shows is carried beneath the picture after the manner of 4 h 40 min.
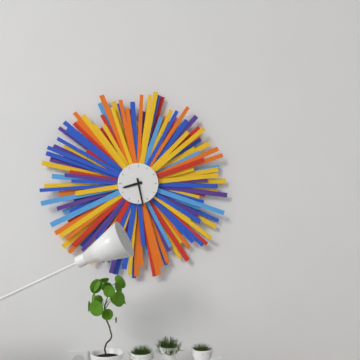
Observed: 8 h 28 min
